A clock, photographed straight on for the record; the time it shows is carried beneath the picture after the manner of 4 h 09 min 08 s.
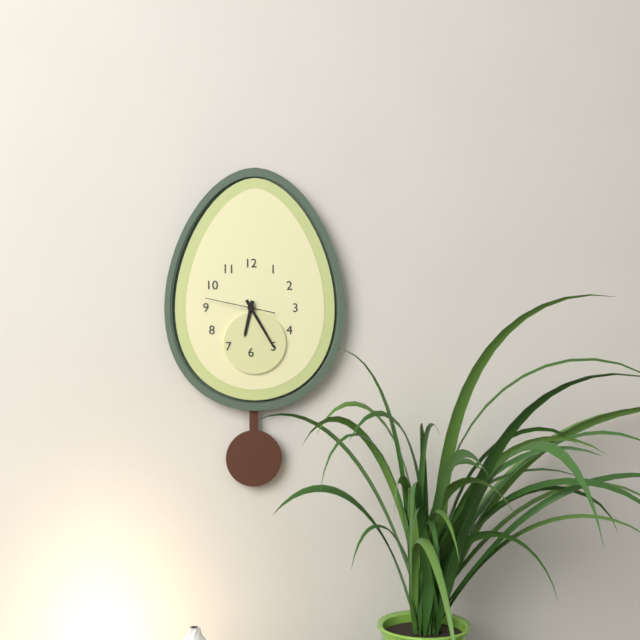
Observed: 6 h 25 min 47 s
